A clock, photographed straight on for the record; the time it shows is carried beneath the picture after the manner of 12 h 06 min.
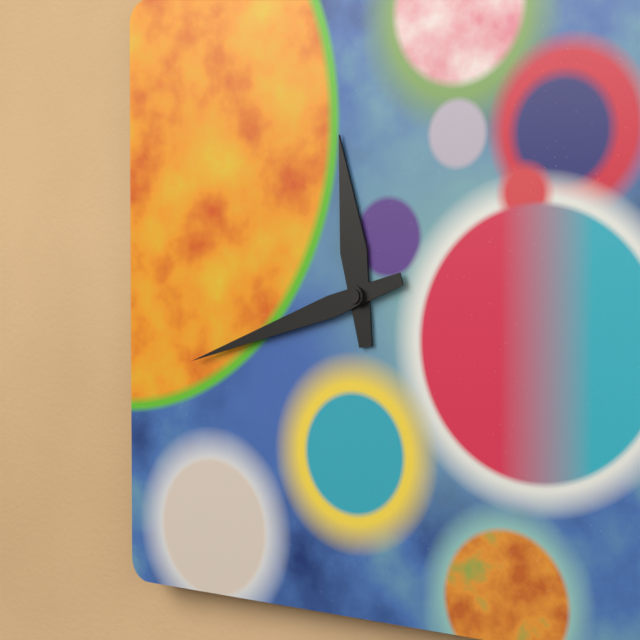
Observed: 11 h 42 min
